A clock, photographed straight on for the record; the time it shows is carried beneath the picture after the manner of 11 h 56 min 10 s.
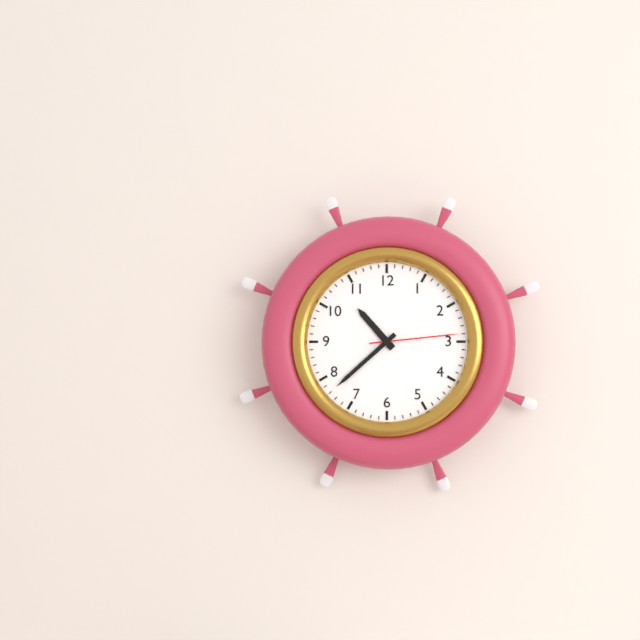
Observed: 10 h 38 min 14 s
